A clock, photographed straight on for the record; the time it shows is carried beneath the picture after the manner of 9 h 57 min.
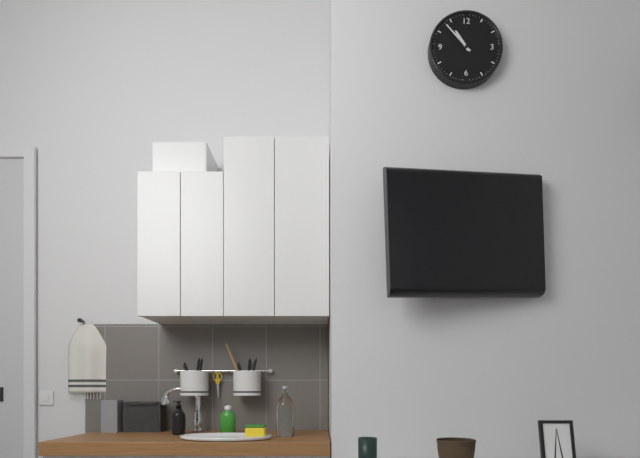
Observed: 10 h 53 min
